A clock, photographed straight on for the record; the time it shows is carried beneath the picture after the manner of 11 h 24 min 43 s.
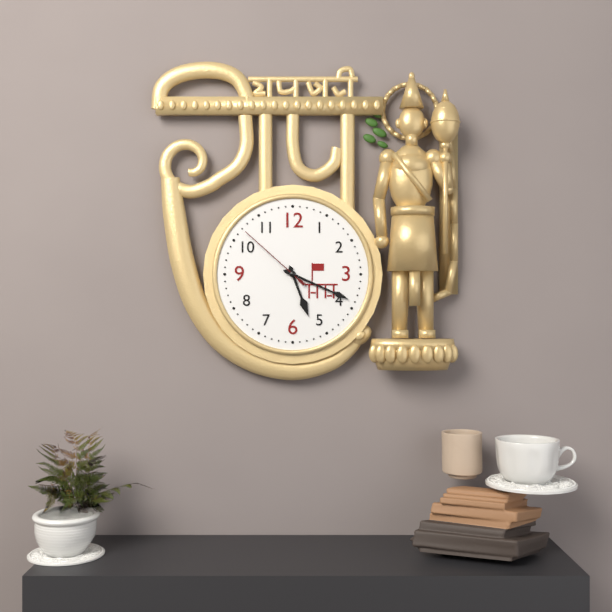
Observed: 5 h 19 min 52 s
